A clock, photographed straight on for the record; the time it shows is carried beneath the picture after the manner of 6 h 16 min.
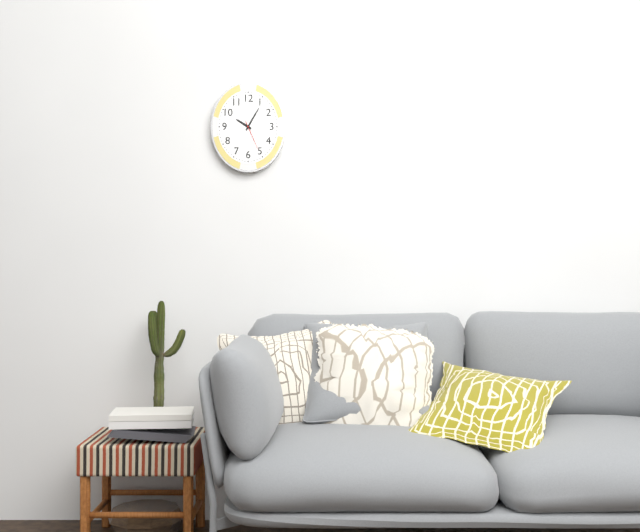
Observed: 10 h 05 min
